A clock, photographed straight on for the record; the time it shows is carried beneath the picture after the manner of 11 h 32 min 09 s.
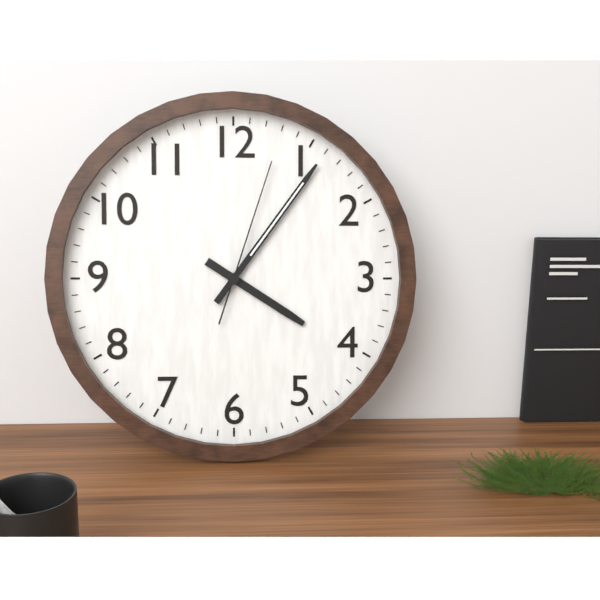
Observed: 4 h 06 min 03 s
